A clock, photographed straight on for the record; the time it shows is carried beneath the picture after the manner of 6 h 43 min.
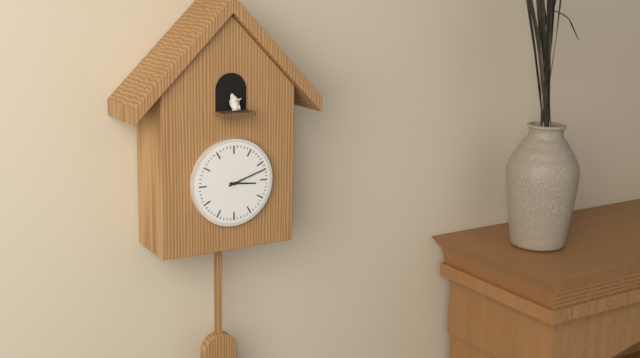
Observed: 3 h 12 min
